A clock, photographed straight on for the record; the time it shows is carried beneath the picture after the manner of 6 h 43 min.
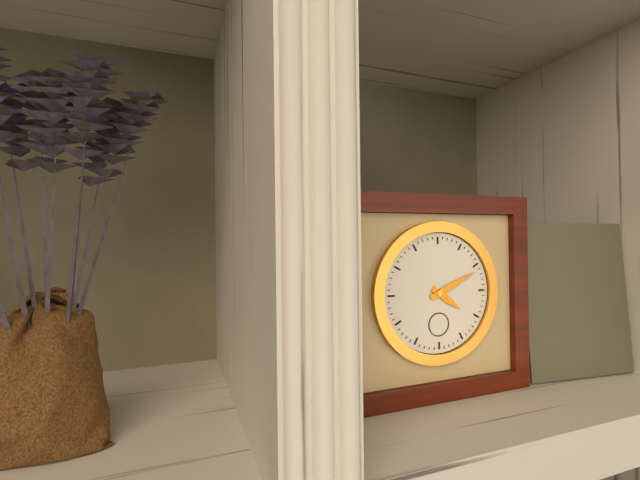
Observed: 4 h 11 min
